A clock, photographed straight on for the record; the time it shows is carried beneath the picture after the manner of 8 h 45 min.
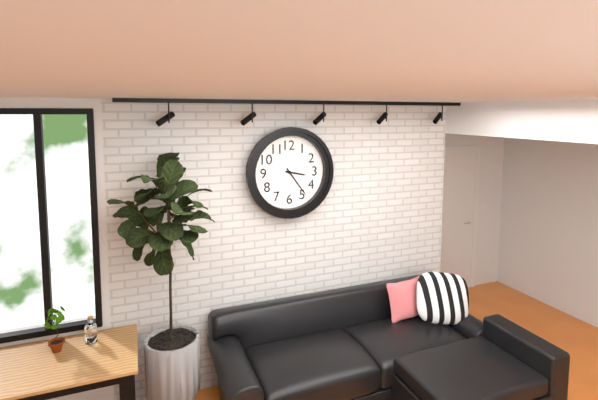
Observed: 3 h 24 min
